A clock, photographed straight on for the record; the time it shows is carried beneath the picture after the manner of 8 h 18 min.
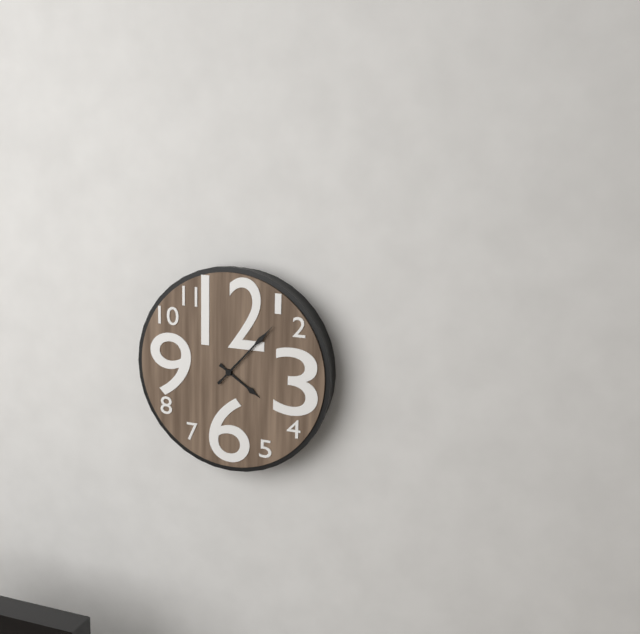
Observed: 4 h 07 min
